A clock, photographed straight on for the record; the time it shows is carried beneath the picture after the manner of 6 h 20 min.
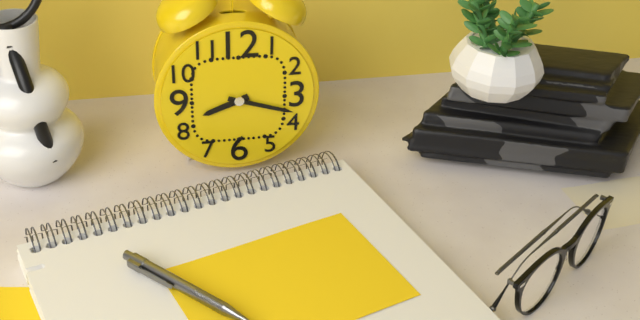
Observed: 8 h 18 min
